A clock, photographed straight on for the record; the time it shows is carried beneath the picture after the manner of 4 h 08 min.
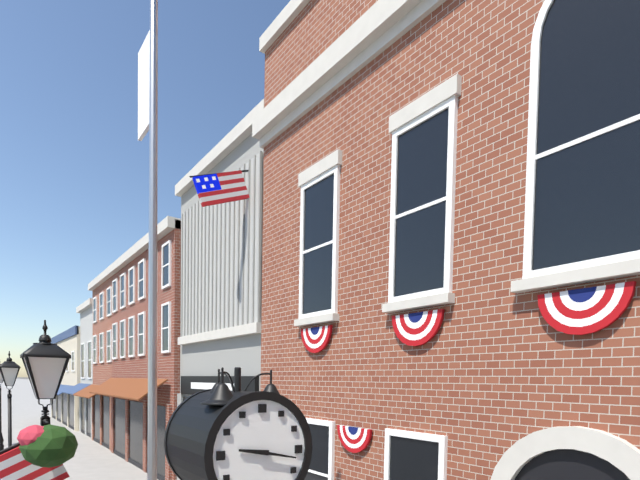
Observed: 9 h 17 min
